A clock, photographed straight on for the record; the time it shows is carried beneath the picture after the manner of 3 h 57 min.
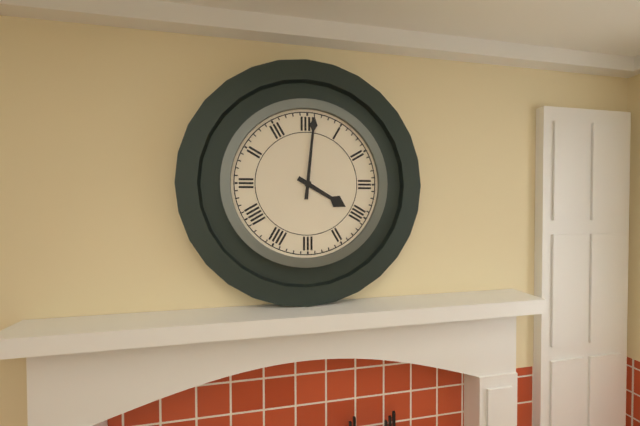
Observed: 4 h 01 min
